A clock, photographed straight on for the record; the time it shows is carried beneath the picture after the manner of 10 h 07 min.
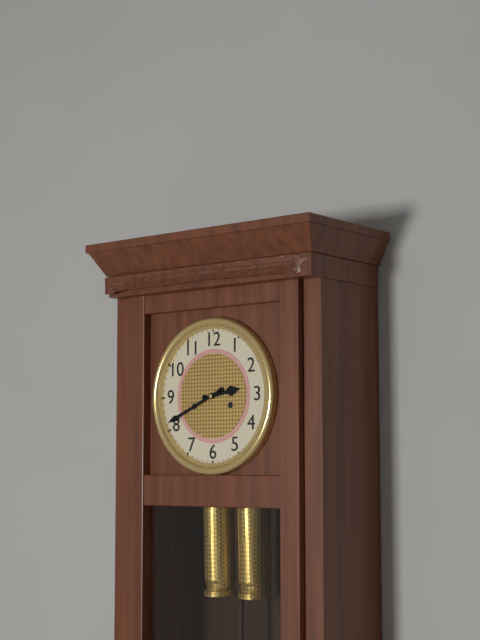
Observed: 2 h 41 min
